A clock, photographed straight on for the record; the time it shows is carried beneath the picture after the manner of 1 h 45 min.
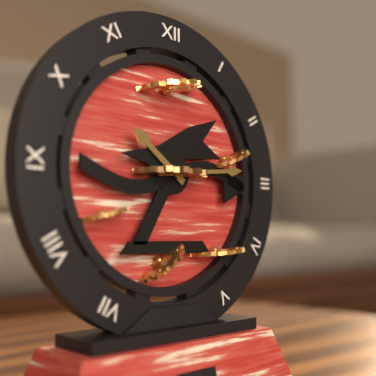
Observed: 10 h 14 min
